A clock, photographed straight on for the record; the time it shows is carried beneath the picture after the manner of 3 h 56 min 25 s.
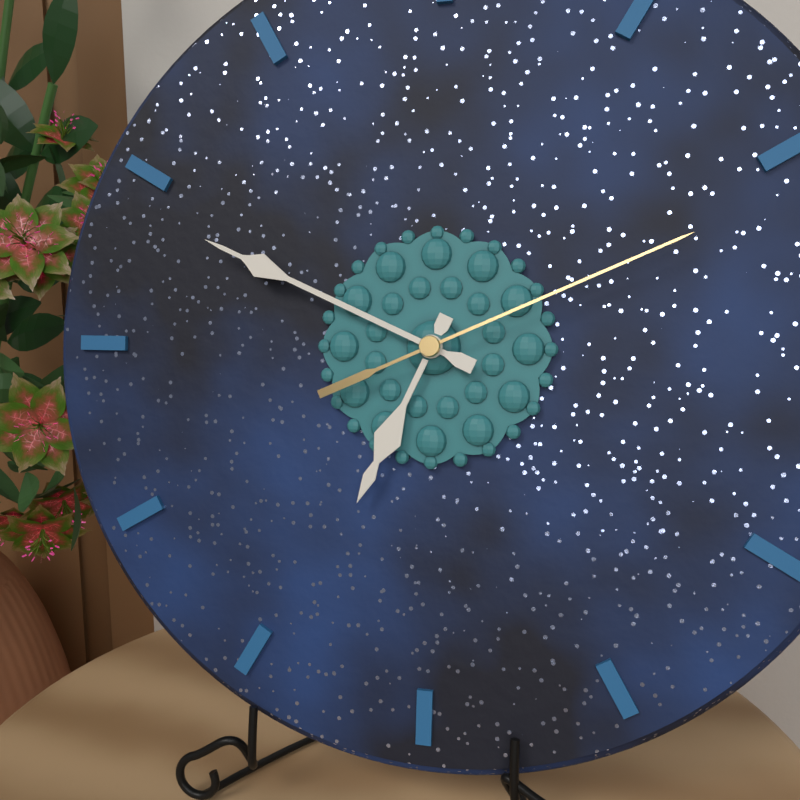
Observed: 6 h 49 min 11 s
